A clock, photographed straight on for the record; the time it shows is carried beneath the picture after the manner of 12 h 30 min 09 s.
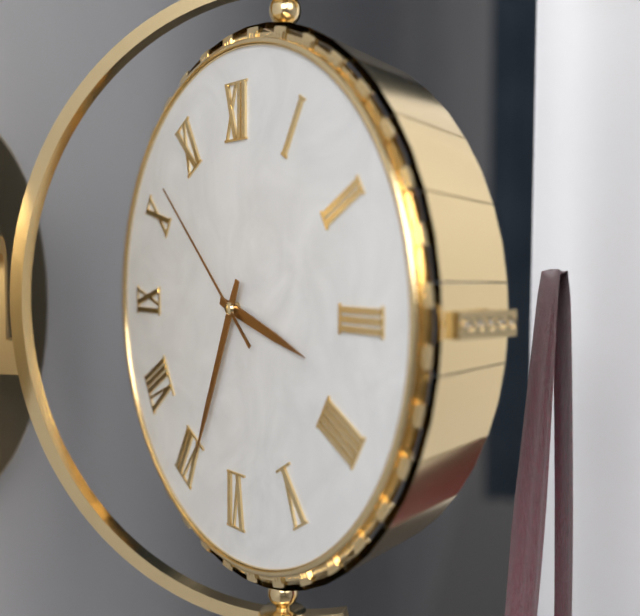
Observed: 3 h 34 min 52 s
